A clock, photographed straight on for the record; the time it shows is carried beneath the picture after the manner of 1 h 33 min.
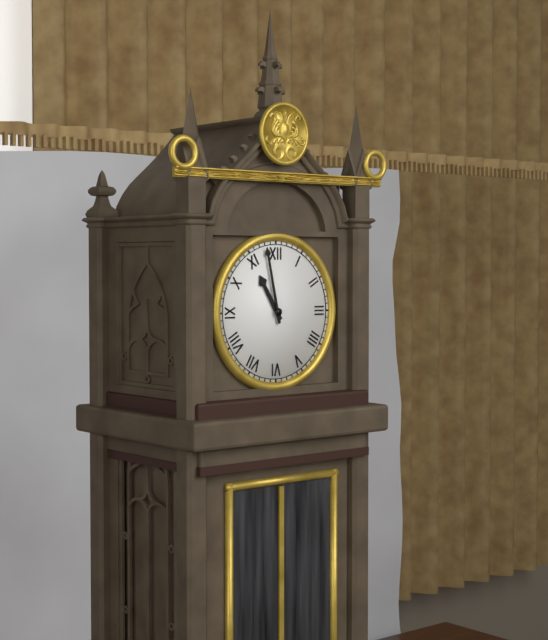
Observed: 10 h 58 min
